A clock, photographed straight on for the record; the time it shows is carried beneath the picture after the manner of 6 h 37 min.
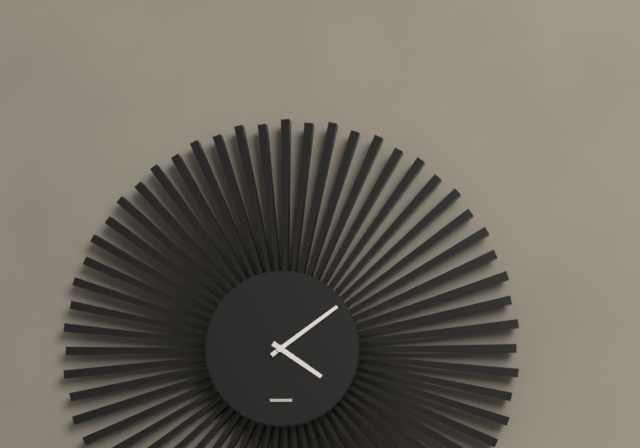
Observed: 4 h 09 min
